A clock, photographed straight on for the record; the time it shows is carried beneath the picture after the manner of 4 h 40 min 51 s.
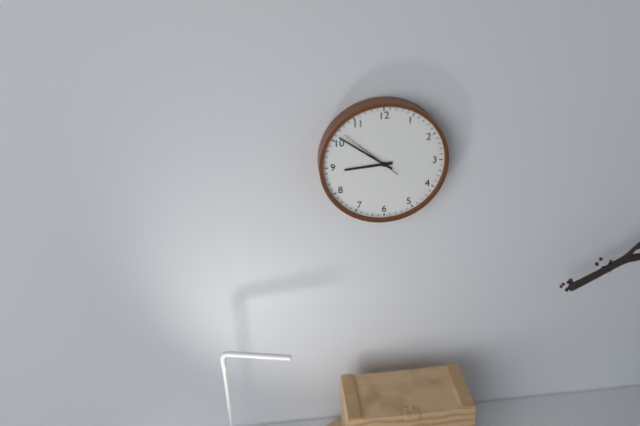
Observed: 8 h 51 min 52 s
